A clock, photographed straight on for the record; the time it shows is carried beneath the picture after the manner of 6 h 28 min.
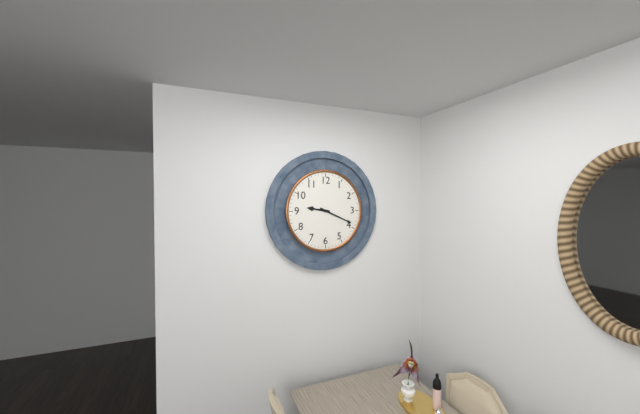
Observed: 9 h 19 min
